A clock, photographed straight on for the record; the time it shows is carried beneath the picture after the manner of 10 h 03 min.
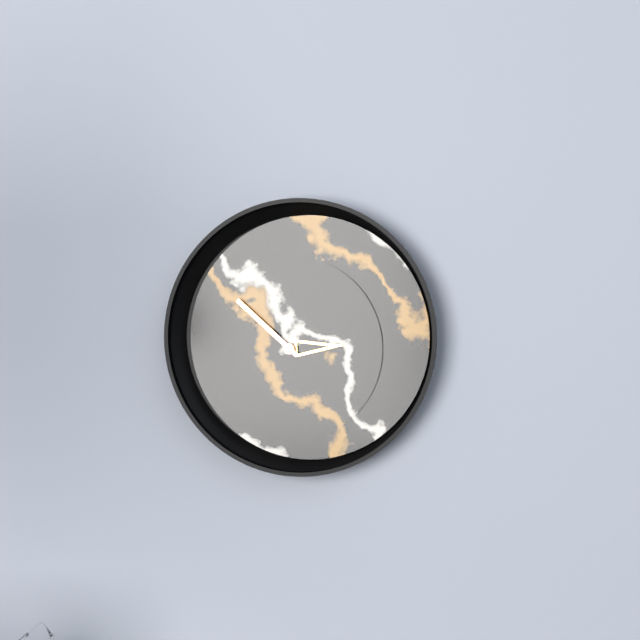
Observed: 2 h 52 min
